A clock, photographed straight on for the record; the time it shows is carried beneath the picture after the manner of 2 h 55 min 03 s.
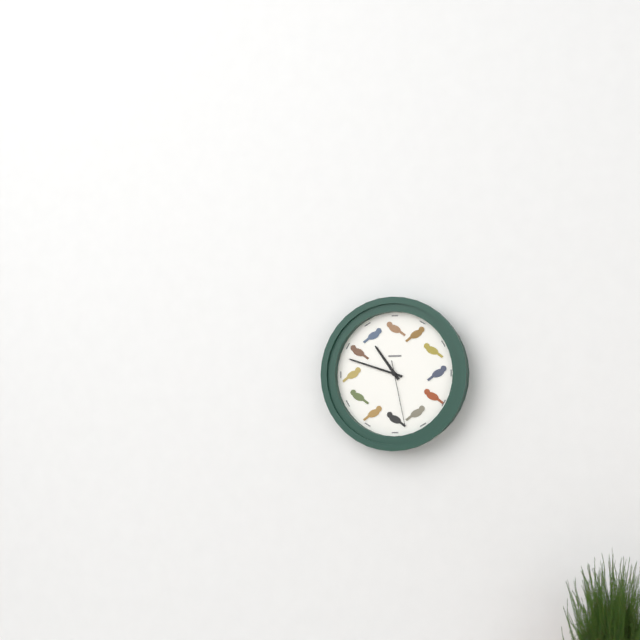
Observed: 10 h 48 min 28 s
